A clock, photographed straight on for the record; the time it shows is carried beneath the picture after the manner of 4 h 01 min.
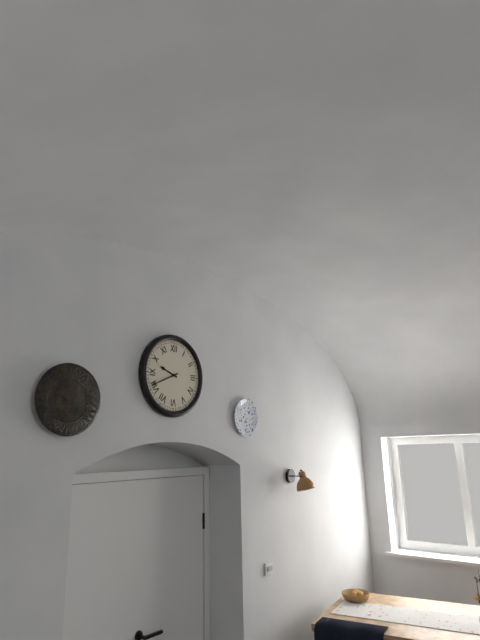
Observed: 9 h 41 min
